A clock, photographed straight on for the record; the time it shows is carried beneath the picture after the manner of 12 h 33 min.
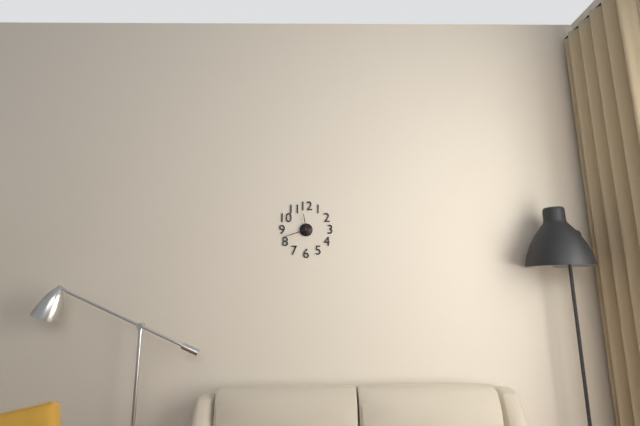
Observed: 11 h 42 min
